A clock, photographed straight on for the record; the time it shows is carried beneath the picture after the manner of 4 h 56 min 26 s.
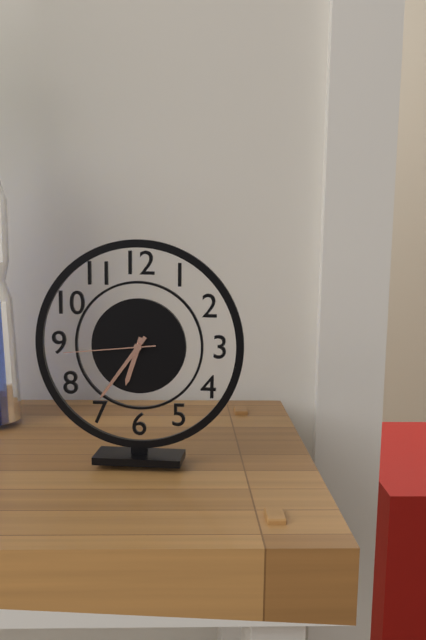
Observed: 6 h 36 min 44 s
